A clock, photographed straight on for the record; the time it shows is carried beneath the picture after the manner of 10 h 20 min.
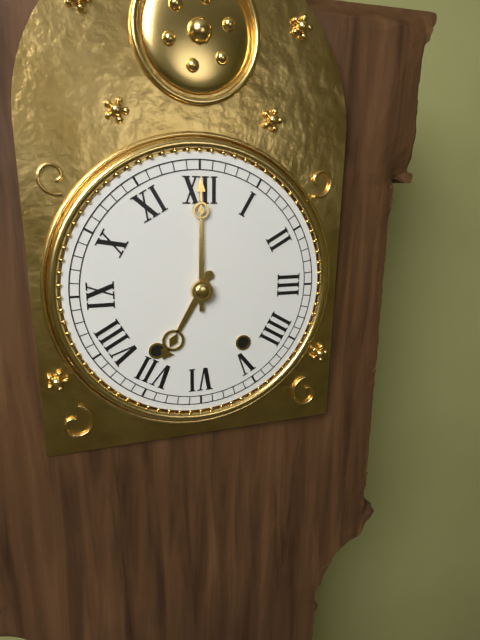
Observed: 7 h 00 min
